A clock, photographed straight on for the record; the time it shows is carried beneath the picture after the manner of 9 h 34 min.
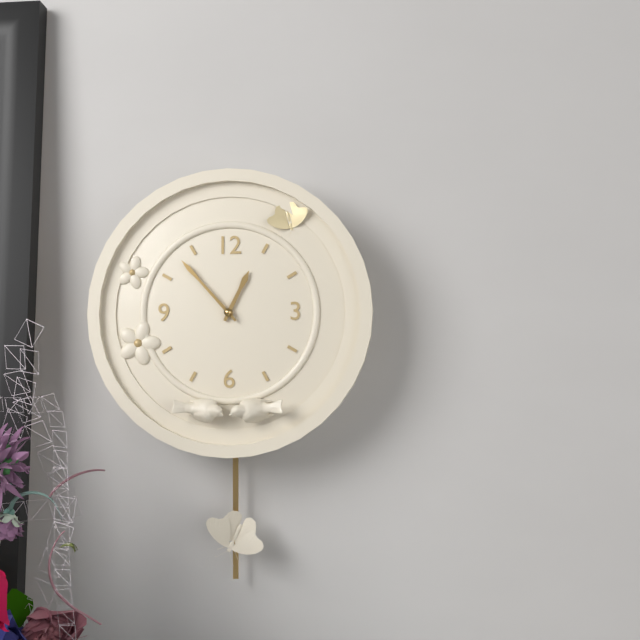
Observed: 12 h 53 min
